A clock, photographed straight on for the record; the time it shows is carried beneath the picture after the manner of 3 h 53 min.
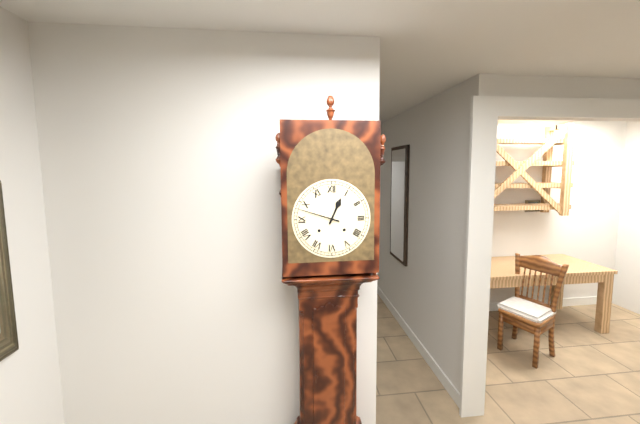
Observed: 12 h 48 min
